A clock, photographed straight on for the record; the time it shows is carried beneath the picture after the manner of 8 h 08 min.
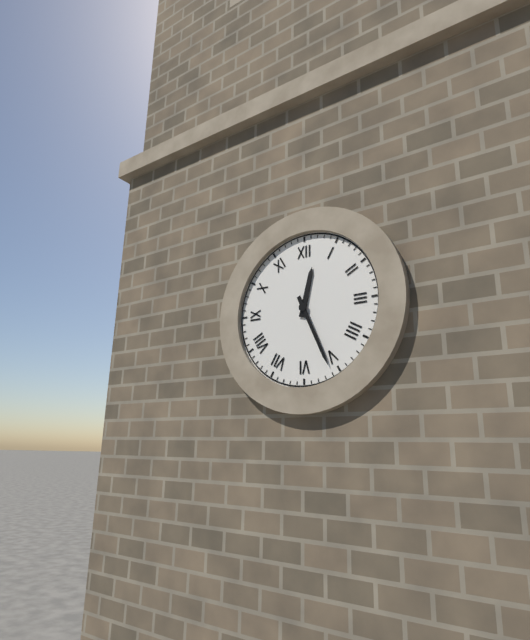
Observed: 12 h 26 min
